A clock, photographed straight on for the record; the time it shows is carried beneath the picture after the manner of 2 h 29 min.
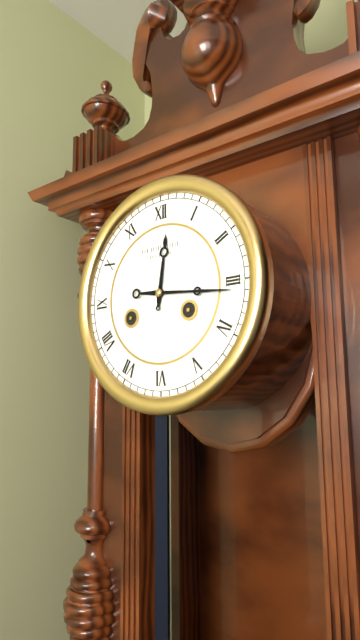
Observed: 12 h 16 min
